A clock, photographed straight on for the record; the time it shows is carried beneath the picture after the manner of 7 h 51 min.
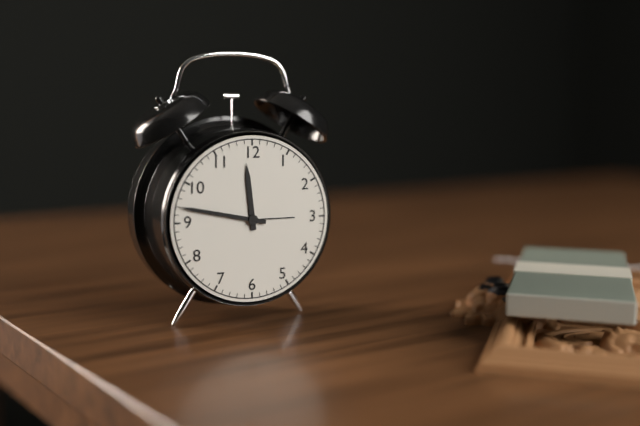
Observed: 11 h 47 min
